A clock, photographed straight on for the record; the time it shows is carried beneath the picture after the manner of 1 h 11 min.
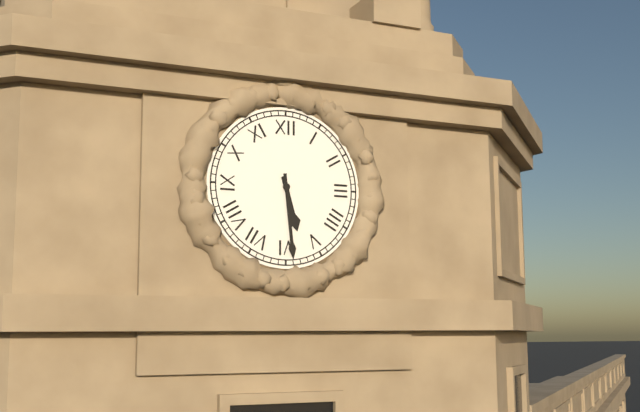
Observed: 5 h 29 min
